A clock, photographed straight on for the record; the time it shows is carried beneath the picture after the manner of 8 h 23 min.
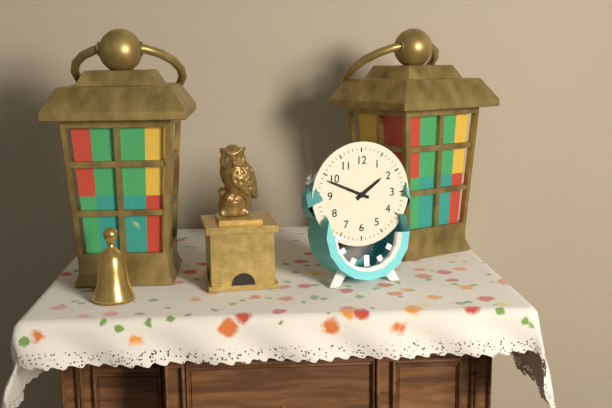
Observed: 1 h 49 min
